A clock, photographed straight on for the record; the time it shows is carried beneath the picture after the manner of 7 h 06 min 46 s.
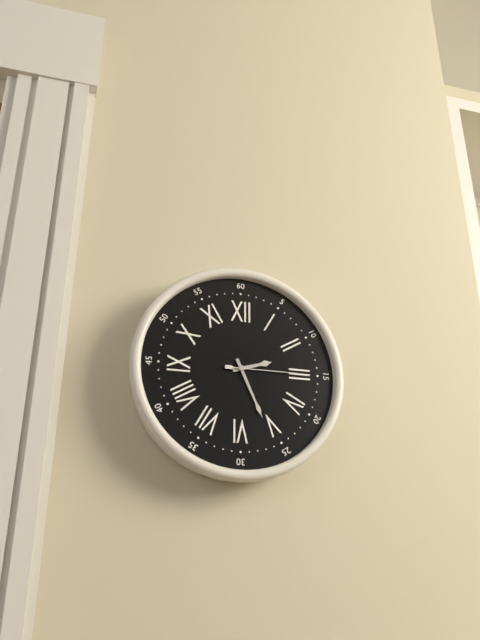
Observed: 2 h 26 min 15 s
